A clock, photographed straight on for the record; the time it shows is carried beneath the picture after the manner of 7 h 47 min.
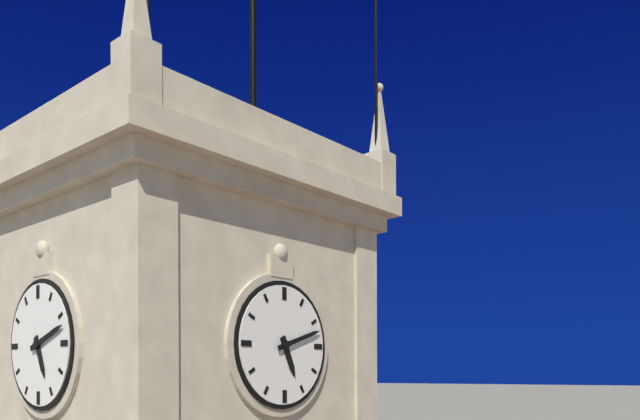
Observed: 5 h 12 min
